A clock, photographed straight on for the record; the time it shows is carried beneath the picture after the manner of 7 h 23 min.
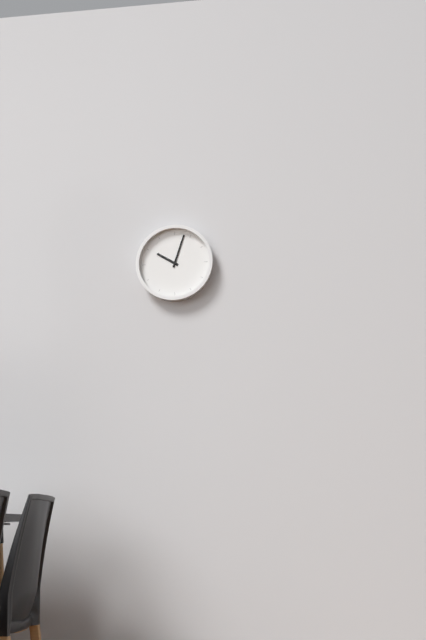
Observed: 10 h 03 min
